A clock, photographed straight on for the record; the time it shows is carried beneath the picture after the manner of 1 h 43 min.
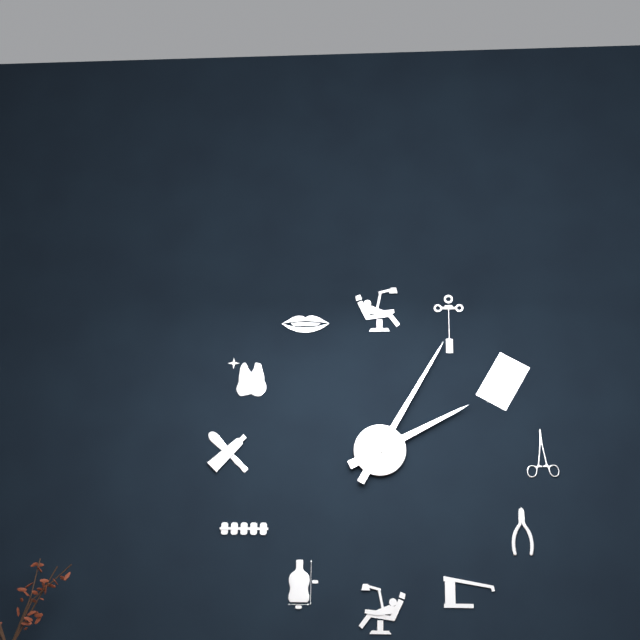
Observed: 2 h 05 min
